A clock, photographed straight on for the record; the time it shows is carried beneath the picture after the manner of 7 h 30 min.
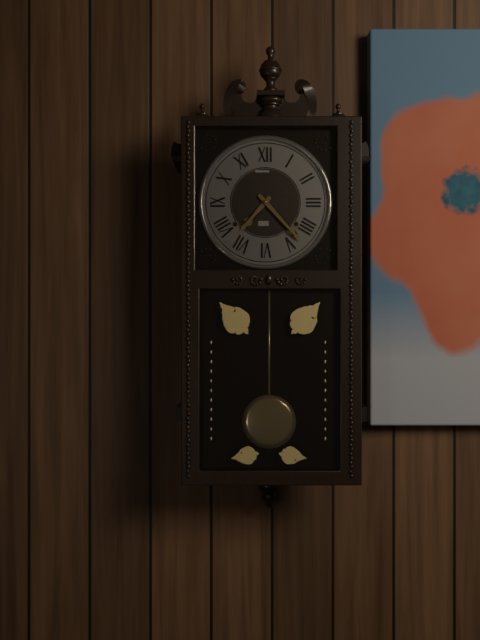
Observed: 7 h 23 min
